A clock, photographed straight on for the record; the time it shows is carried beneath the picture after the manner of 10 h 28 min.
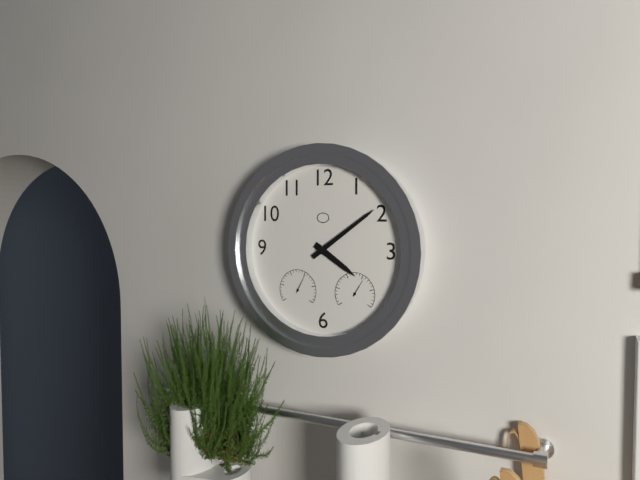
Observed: 4 h 09 min
